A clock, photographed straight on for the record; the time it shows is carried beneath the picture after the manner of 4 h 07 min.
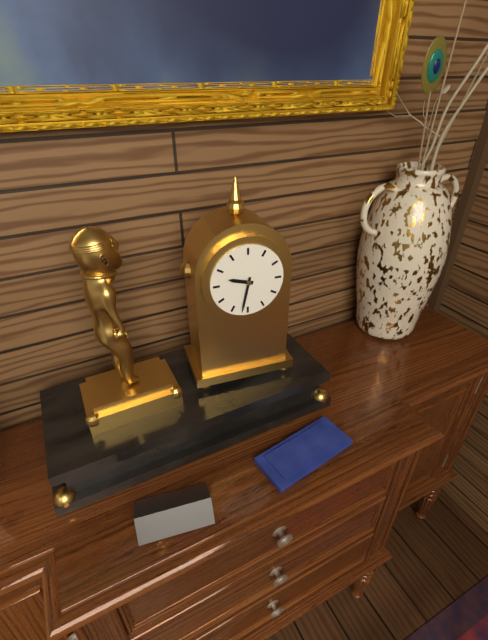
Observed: 9 h 32 min
